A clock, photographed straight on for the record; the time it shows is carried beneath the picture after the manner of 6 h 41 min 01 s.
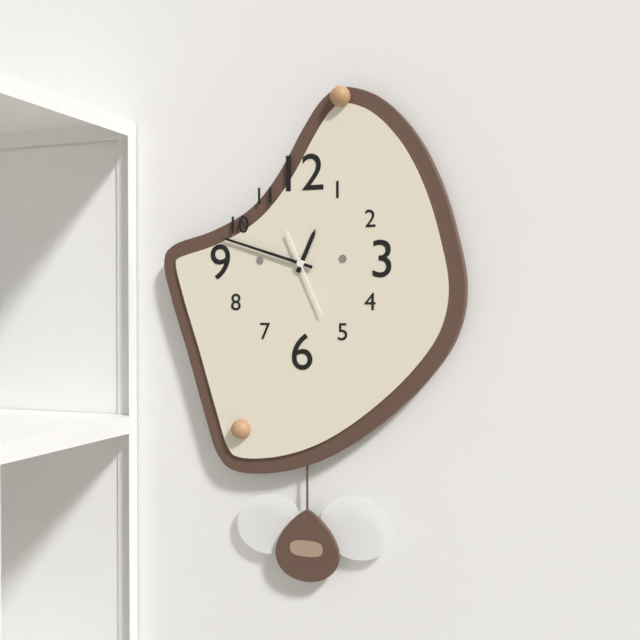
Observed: 12 h 48 min 26 s
